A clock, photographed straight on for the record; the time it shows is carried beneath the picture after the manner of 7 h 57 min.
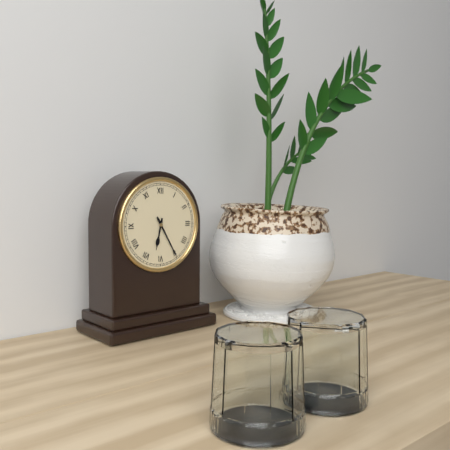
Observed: 6 h 25 min
